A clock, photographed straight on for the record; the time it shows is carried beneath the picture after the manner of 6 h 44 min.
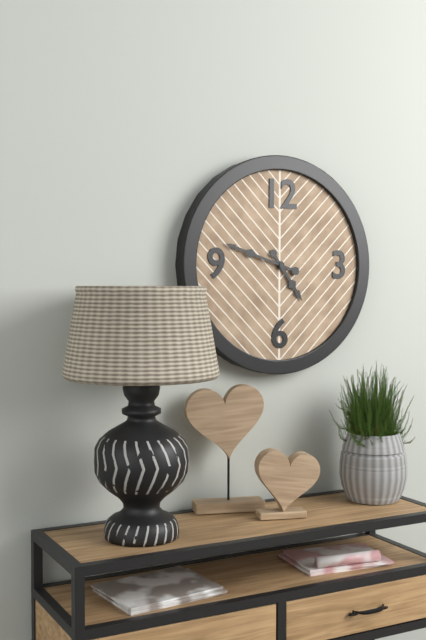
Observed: 4 h 48 min
